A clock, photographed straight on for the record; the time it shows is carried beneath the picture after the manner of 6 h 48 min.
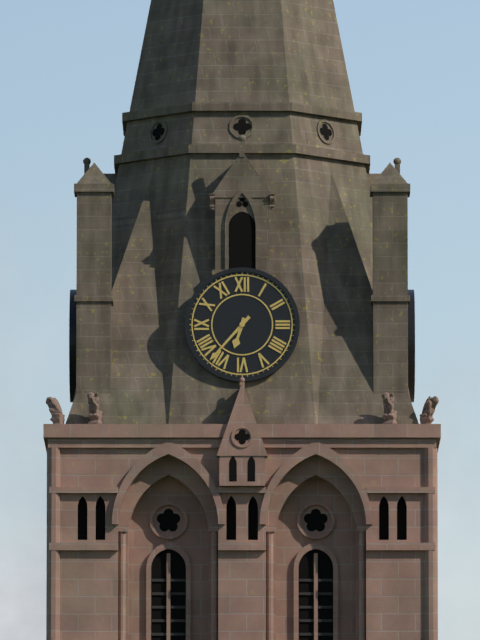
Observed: 6 h 37 min
